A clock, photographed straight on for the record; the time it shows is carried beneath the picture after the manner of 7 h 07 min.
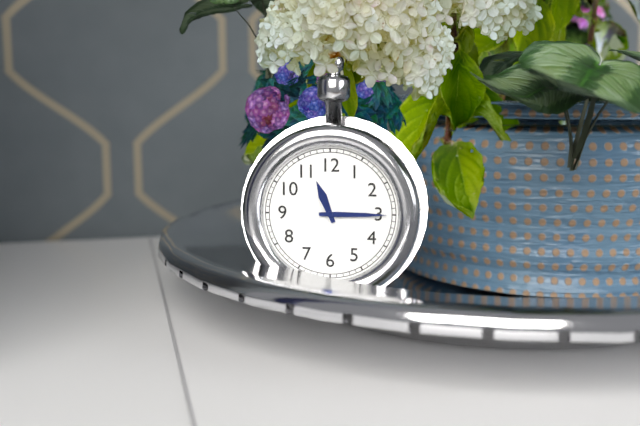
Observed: 11 h 15 min
